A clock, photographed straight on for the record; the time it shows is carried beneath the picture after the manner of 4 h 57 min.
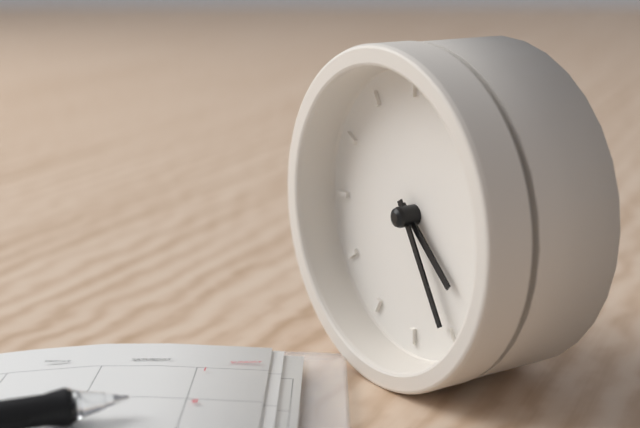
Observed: 4 h 25 min
